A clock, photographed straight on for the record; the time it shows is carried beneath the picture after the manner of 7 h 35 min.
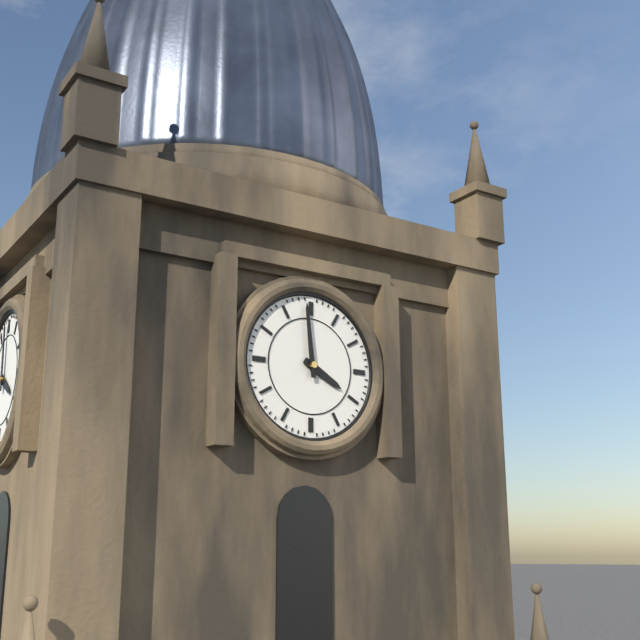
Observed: 3 h 59 min
